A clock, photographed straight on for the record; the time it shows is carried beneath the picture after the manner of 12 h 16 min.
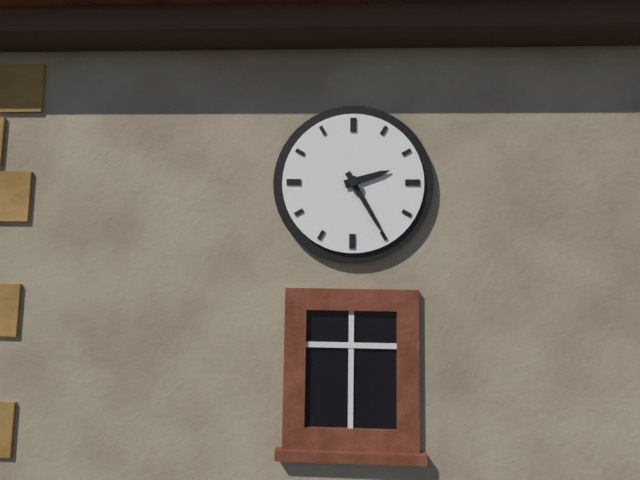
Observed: 2 h 25 min
